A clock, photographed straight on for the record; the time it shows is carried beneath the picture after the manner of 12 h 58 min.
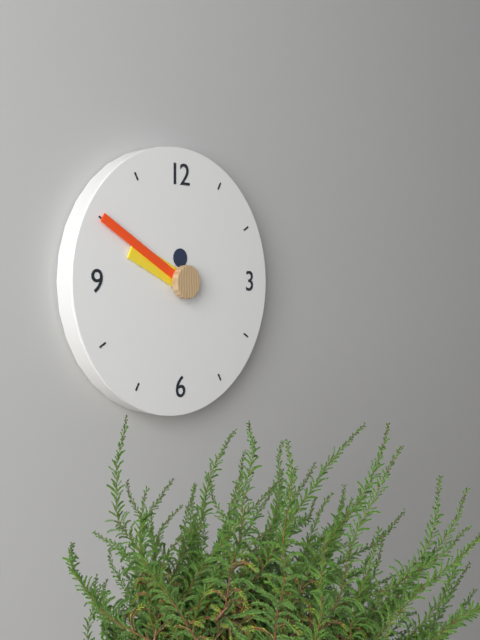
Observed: 9 h 50 min
